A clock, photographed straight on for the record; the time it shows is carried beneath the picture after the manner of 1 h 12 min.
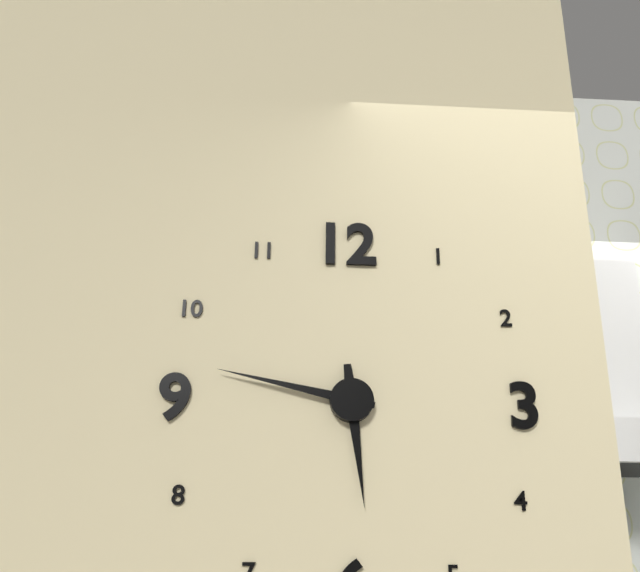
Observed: 5 h 47 min
